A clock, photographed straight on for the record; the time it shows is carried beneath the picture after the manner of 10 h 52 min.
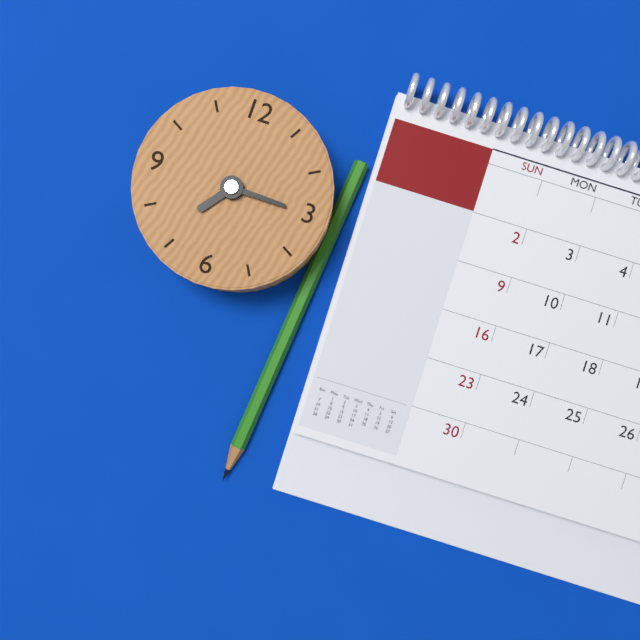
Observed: 7 h 15 min
